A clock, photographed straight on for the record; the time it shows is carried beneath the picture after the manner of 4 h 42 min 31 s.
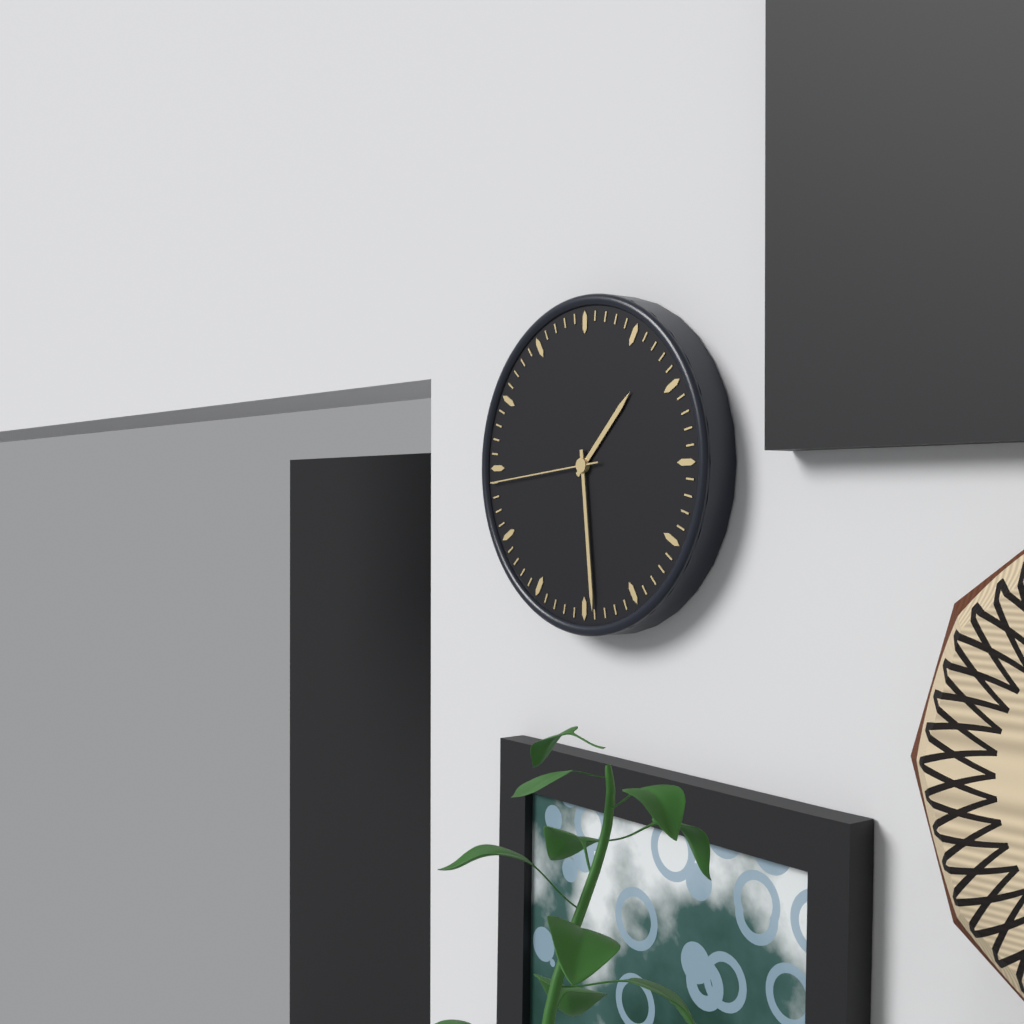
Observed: 1 h 29 min 44 s
